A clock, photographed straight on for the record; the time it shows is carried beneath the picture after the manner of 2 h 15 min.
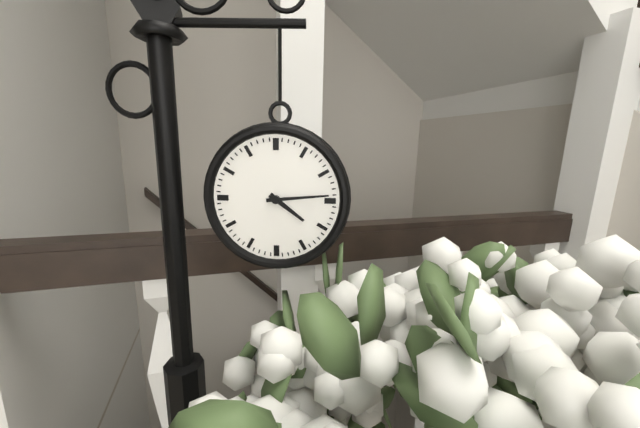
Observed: 4 h 14 min
